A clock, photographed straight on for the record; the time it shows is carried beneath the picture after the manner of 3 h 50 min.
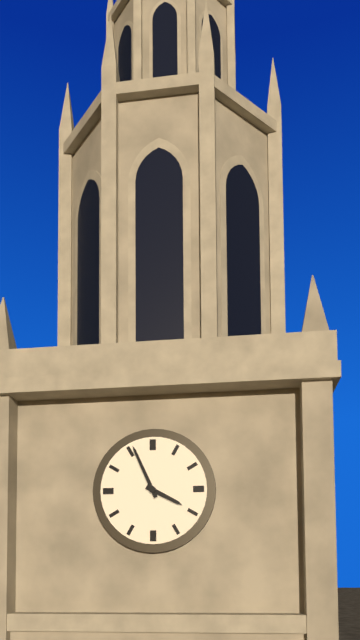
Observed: 3 h 56 min
